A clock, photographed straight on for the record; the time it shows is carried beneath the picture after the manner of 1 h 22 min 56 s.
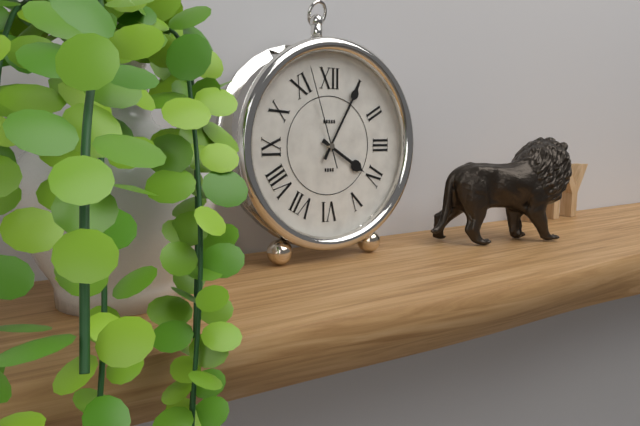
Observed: 4 h 05 min 57 s
